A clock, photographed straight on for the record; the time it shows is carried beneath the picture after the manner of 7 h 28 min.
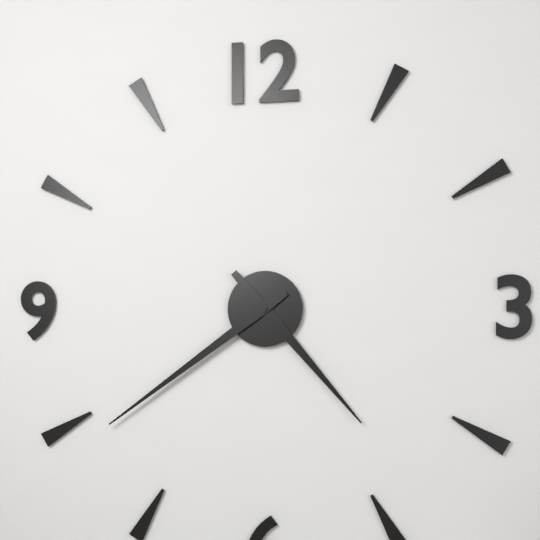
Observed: 4 h 39 min
